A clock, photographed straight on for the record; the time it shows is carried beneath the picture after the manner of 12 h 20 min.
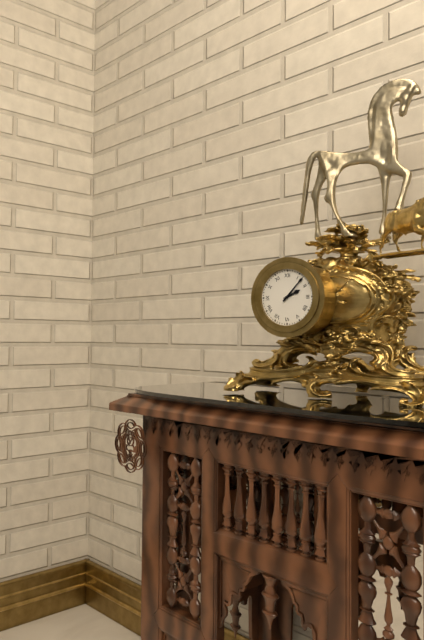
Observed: 2 h 07 min
